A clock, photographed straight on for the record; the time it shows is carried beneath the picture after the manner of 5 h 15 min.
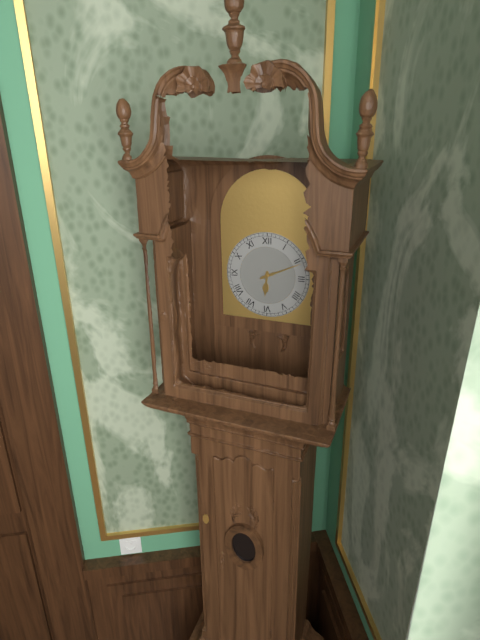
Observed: 6 h 11 min
